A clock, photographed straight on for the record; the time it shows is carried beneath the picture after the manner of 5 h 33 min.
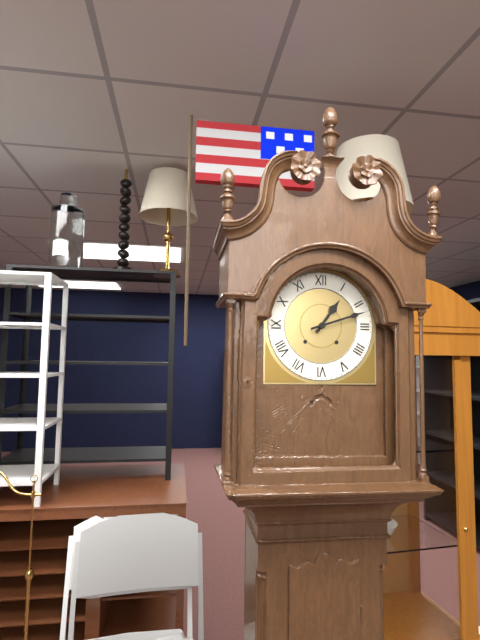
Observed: 1 h 12 min
